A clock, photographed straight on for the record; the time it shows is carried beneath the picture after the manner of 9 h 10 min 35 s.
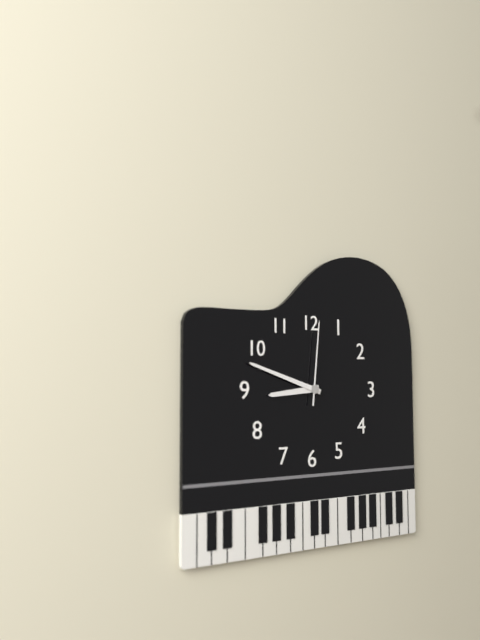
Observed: 8 h 48 min 01 s
